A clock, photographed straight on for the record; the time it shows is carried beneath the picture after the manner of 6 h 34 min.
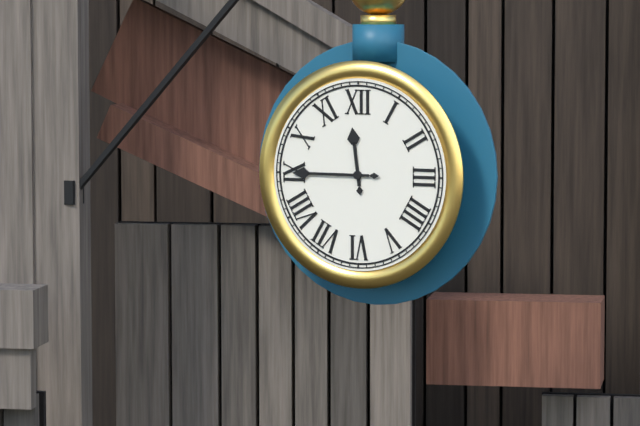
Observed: 11 h 45 min
